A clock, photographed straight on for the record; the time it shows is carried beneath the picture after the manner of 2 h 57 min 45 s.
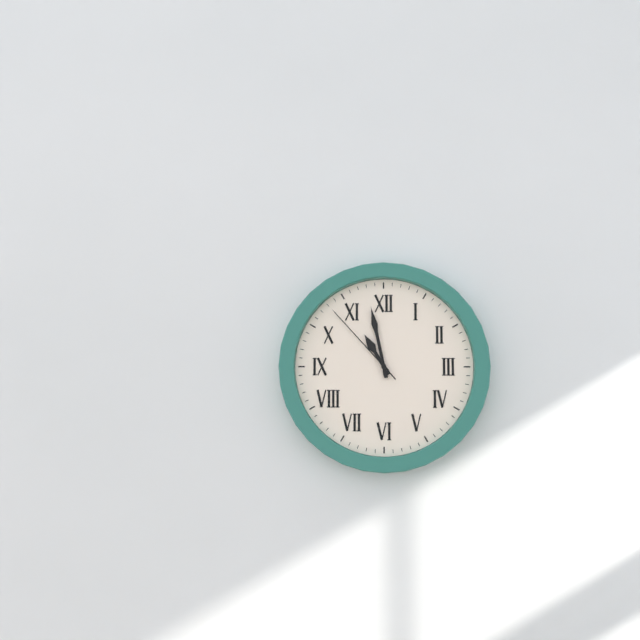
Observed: 10 h 58 min 53 s
